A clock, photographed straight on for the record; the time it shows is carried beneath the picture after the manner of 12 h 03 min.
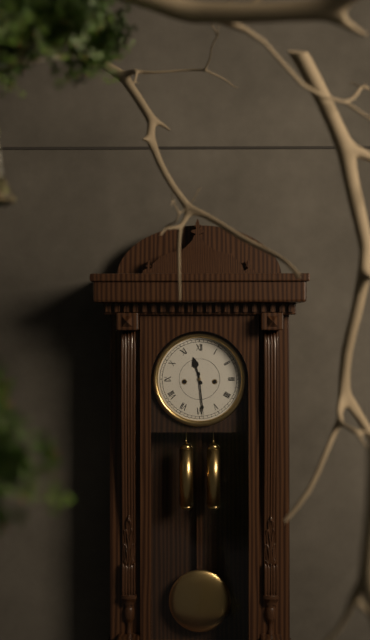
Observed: 11 h 29 min
